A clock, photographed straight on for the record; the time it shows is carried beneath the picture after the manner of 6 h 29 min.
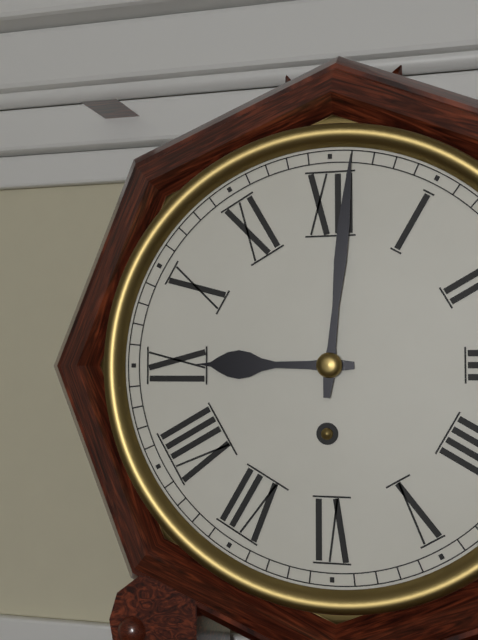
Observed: 9 h 01 min
